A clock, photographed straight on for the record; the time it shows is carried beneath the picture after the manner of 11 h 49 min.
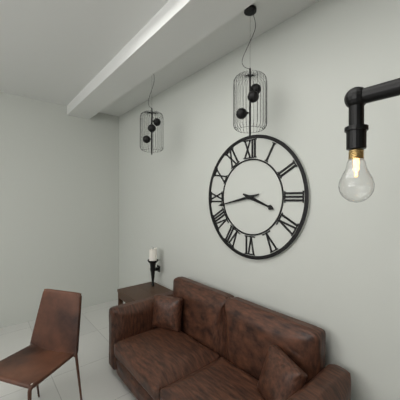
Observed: 3 h 43 min
